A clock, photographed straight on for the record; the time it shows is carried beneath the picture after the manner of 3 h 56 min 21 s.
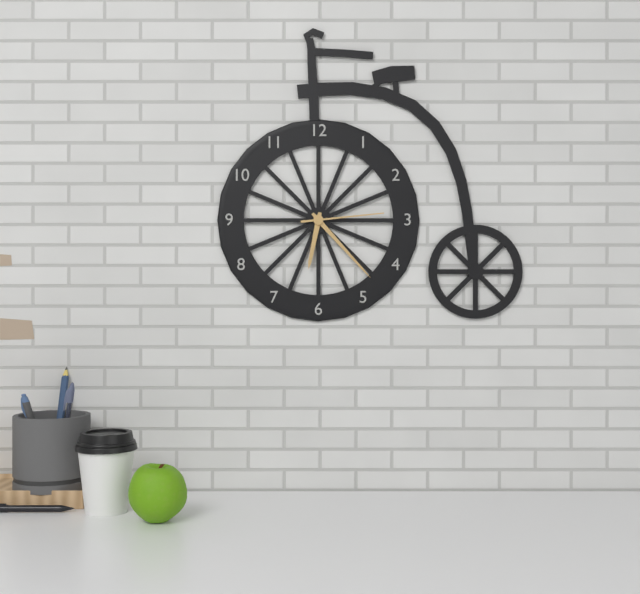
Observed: 6 h 23 min 14 s
